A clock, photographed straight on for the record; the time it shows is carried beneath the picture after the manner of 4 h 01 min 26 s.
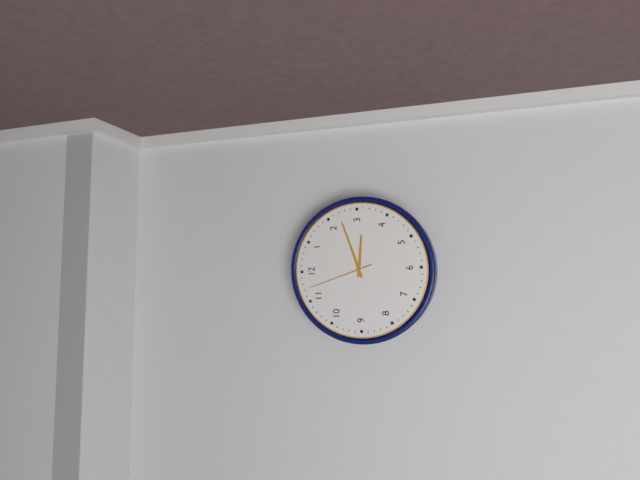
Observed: 3 h 12 min 57 s
